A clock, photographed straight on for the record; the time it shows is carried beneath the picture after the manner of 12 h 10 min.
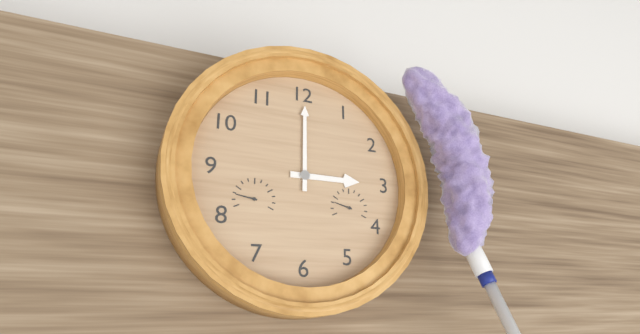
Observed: 3 h 00 min
